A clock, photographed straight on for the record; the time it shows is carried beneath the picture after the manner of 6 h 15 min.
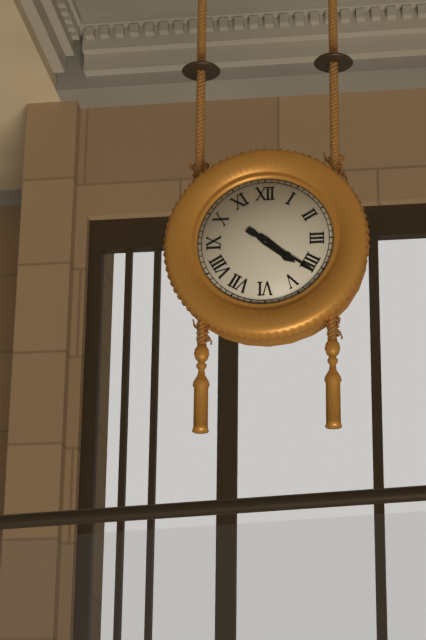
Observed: 4 h 21 min
